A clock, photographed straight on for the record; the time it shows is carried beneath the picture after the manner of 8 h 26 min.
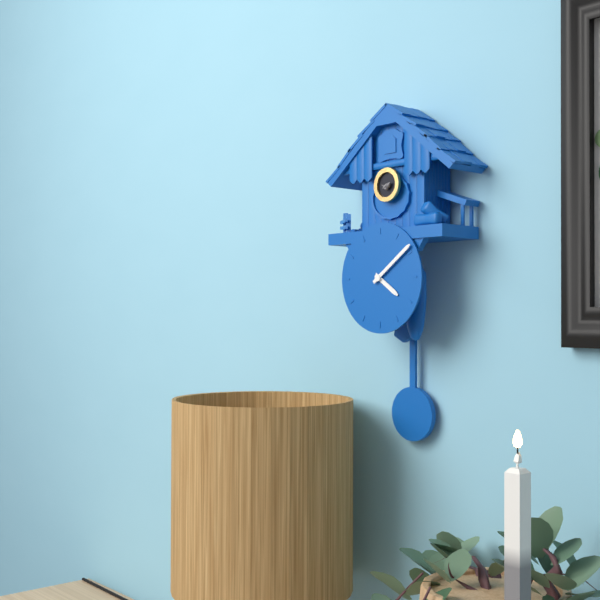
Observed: 4 h 09 min
